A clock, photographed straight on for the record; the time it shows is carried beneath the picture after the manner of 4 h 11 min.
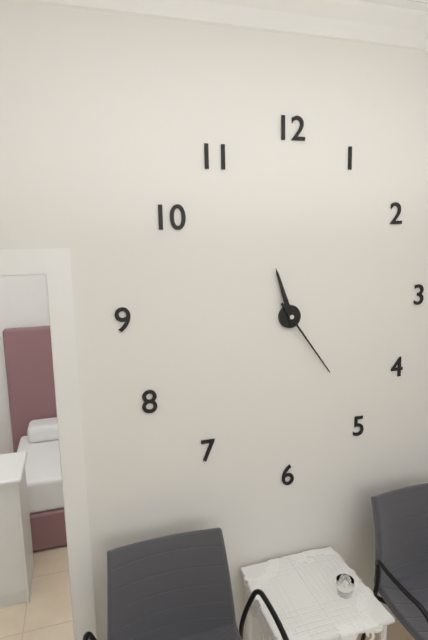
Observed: 11 h 24 min
